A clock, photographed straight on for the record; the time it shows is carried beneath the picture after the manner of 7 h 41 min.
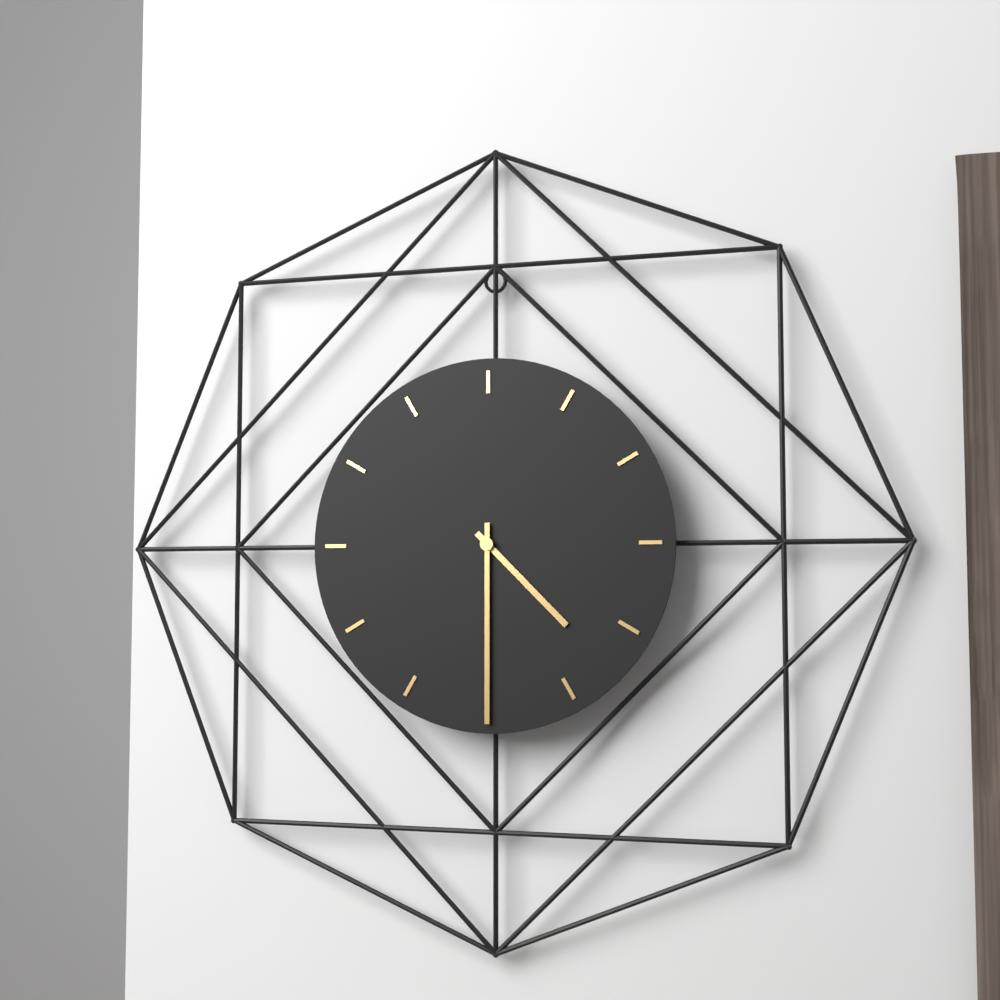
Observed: 4 h 30 min
